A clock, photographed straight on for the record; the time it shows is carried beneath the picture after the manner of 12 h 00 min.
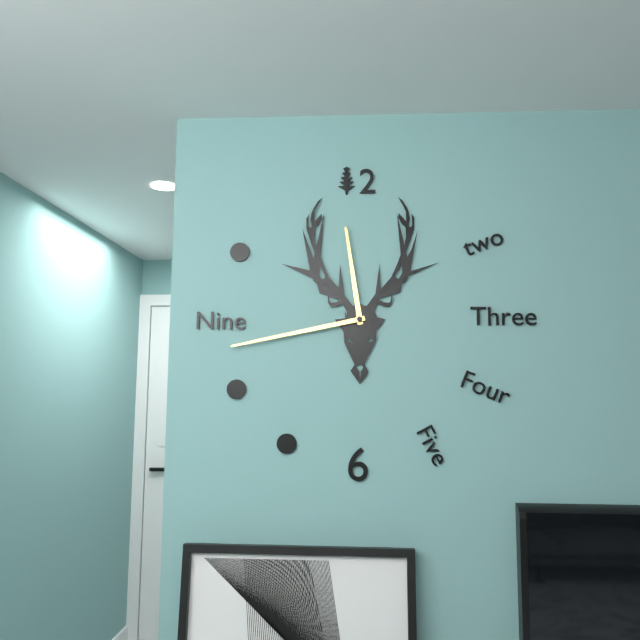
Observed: 11 h 43 min
